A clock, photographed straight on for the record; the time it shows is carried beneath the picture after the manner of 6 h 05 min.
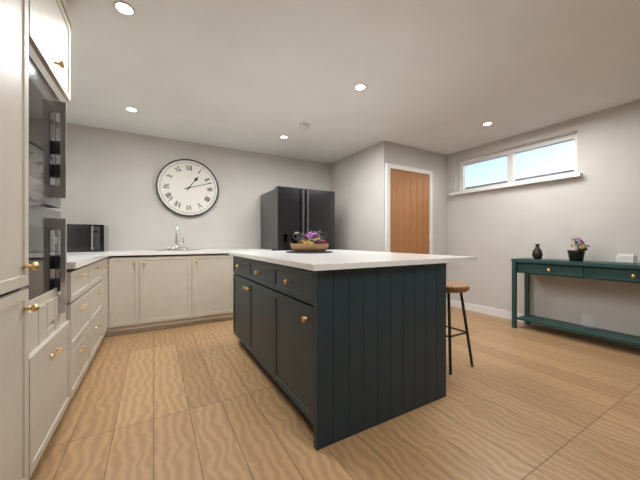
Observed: 1 h 12 min
